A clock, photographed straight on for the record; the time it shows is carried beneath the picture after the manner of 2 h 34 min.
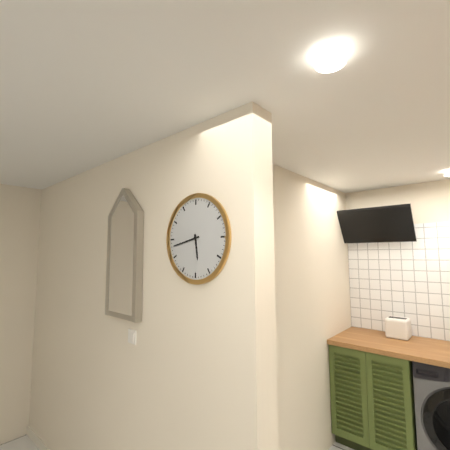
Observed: 5 h 43 min
